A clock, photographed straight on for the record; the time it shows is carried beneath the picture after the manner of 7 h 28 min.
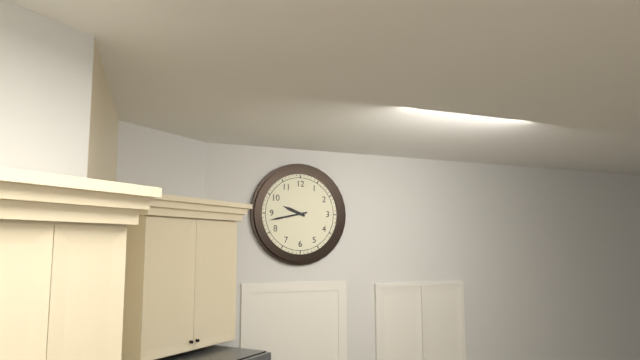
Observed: 9 h 43 min
